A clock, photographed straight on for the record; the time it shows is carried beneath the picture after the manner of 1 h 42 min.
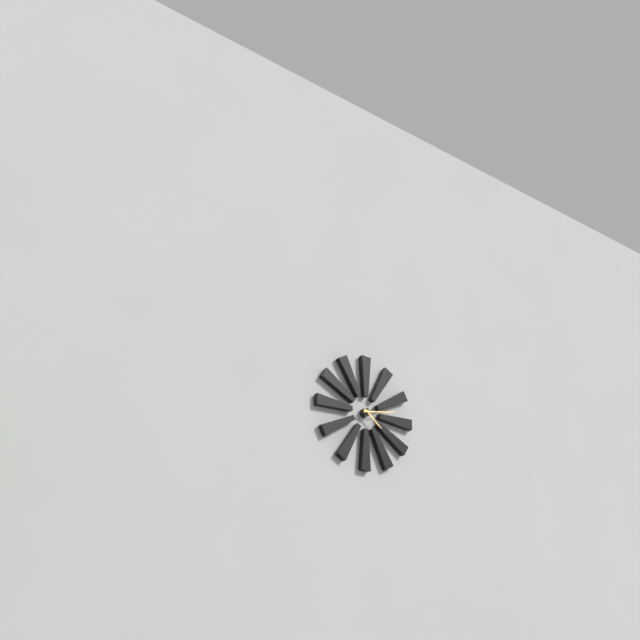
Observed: 4 h 13 min
